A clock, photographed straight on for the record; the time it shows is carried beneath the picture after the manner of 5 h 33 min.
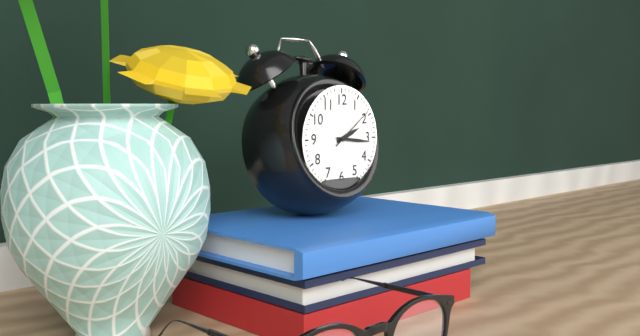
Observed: 2 h 16 min
